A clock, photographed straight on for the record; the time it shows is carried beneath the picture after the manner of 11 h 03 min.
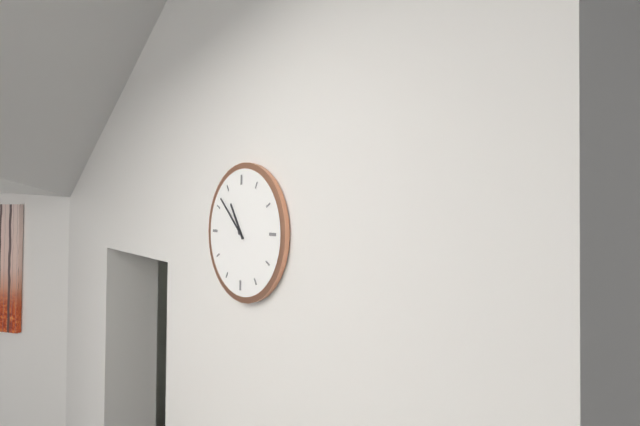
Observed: 10 h 52 min
